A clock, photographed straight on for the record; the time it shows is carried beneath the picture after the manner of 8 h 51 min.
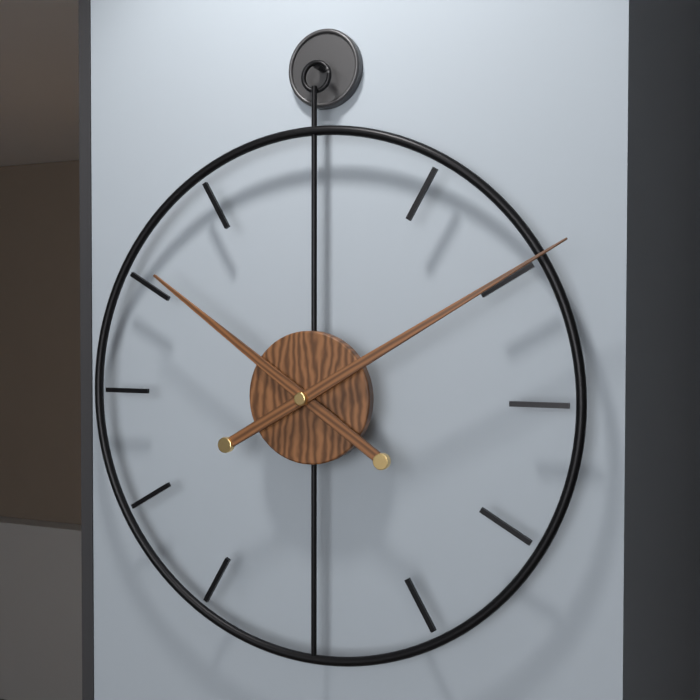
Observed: 10 h 10 min
